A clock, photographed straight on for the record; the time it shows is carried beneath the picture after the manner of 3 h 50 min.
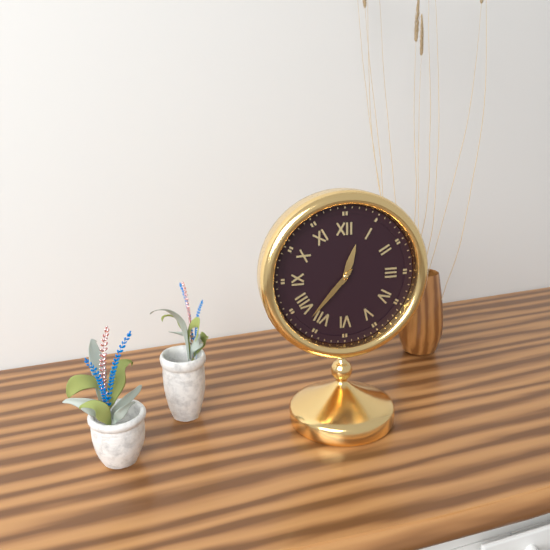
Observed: 12 h 37 min
